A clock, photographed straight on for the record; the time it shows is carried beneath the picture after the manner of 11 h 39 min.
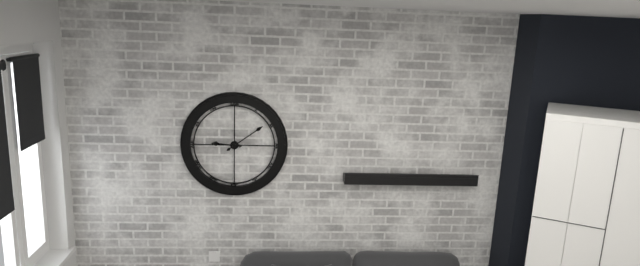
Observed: 9 h 09 min
